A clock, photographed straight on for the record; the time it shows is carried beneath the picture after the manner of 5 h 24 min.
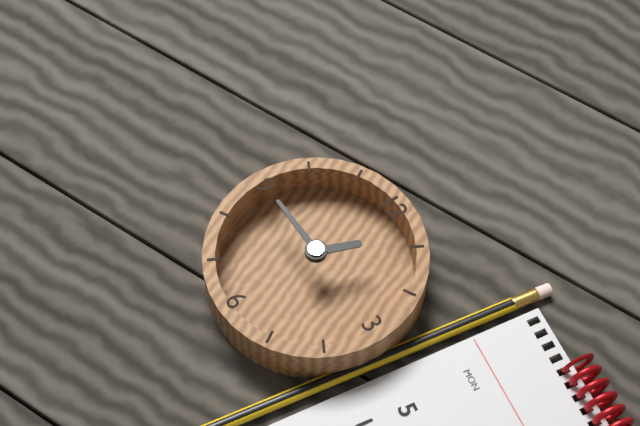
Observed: 12 h 45 min
